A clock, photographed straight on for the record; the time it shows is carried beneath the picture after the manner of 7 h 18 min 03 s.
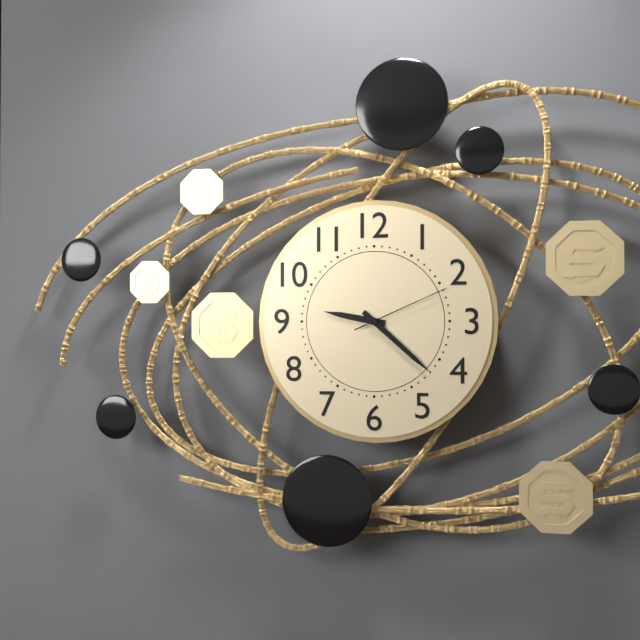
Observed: 9 h 22 min 11 s
